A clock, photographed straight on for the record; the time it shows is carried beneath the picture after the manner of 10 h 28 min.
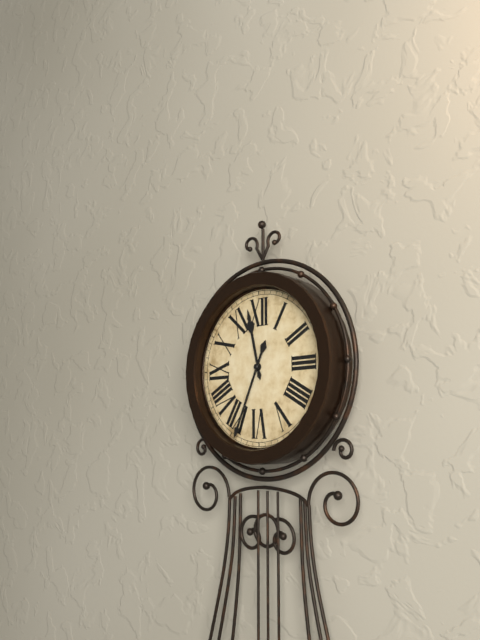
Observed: 11 h 34 min
